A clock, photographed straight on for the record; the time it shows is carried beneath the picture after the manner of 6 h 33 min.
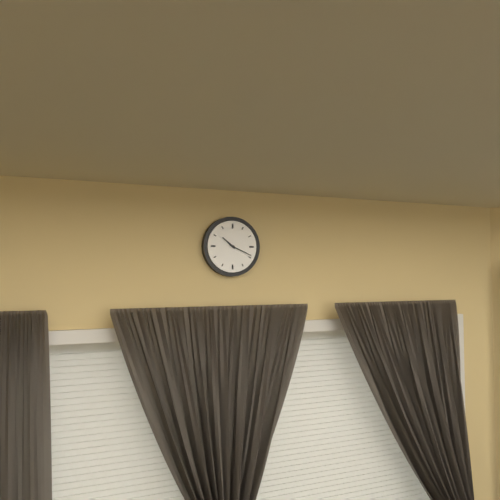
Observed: 10 h 19 min
